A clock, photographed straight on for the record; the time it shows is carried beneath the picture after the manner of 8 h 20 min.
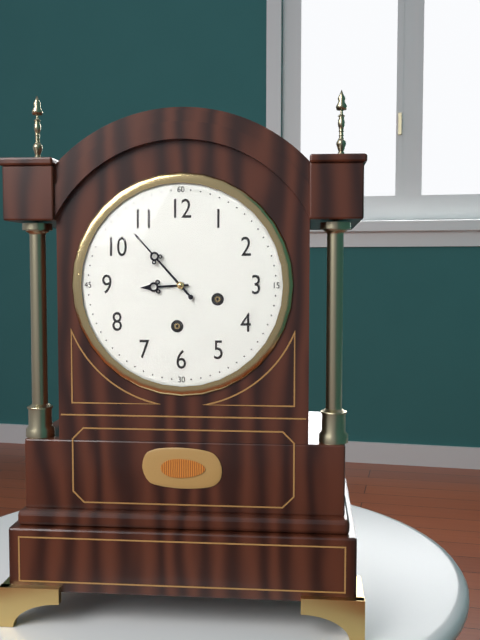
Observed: 8 h 53 min
